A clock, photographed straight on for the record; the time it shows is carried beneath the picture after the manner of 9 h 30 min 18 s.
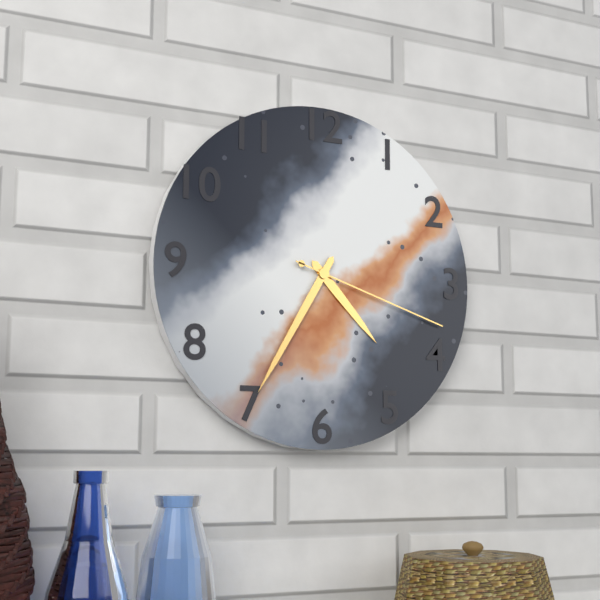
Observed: 4 h 35 min 18 s
